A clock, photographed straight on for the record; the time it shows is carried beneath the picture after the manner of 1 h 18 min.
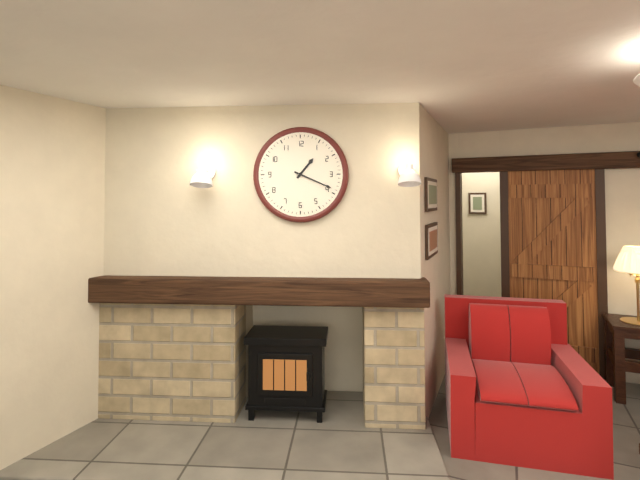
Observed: 1 h 19 min
